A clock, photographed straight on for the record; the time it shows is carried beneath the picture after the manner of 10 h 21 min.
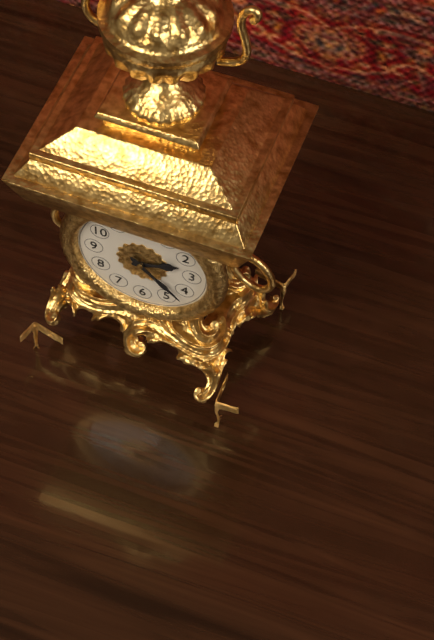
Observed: 2 h 22 min
